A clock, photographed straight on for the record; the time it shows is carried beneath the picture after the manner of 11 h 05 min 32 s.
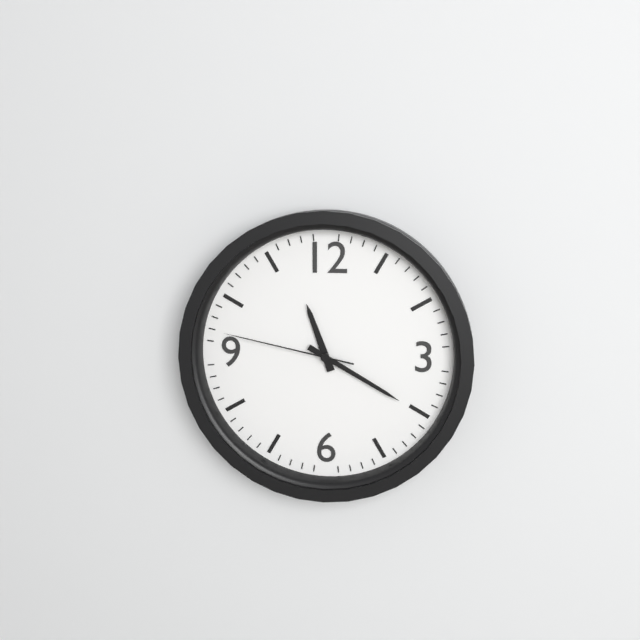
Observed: 11 h 20 min 47 s
